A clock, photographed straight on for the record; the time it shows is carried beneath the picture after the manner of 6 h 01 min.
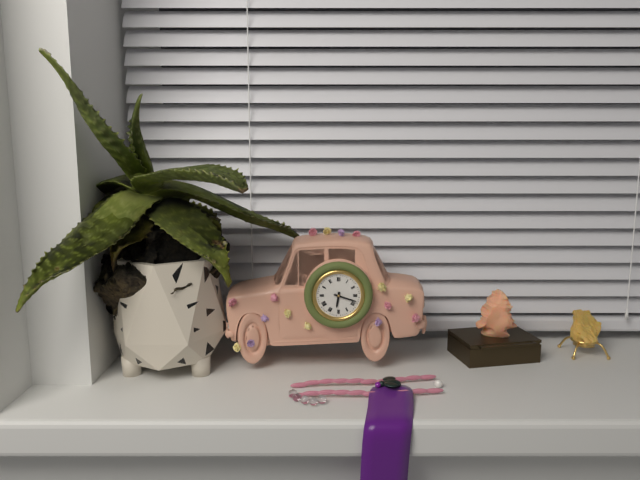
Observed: 6 h 18 min
